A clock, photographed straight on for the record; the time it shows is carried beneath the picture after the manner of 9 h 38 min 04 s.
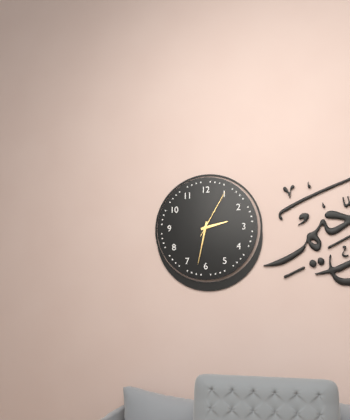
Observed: 2 h 32 min 05 s
